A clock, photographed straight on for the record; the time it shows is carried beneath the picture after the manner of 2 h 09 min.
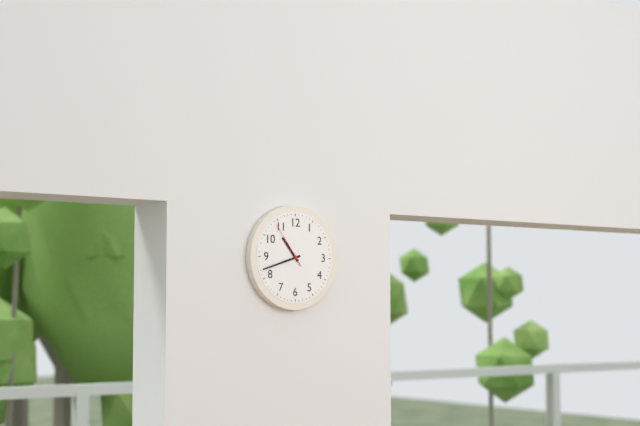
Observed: 10 h 42 min
